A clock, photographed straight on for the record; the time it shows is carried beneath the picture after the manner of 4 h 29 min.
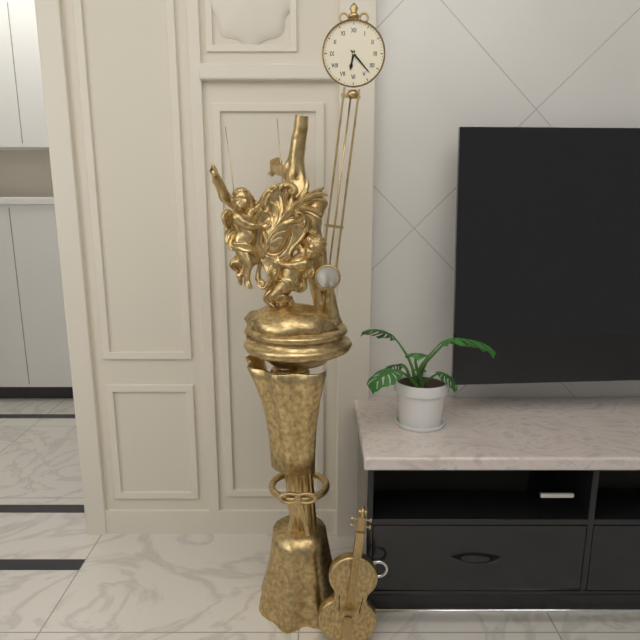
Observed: 6 h 23 min
